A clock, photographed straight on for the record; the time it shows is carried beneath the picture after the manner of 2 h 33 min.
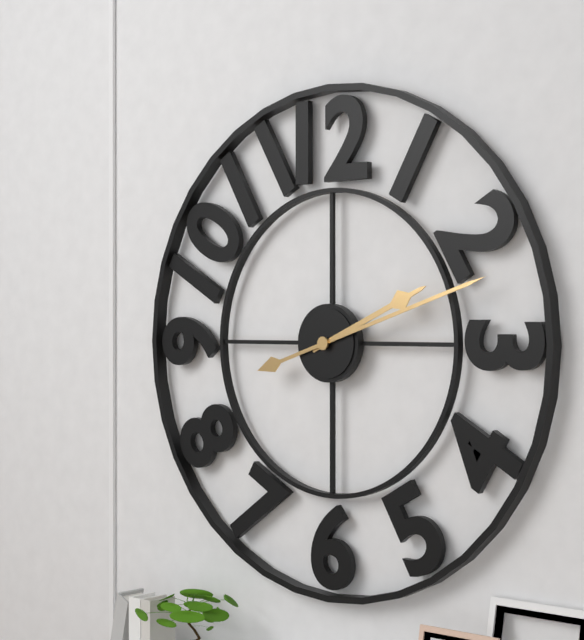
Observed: 2 h 12 min
